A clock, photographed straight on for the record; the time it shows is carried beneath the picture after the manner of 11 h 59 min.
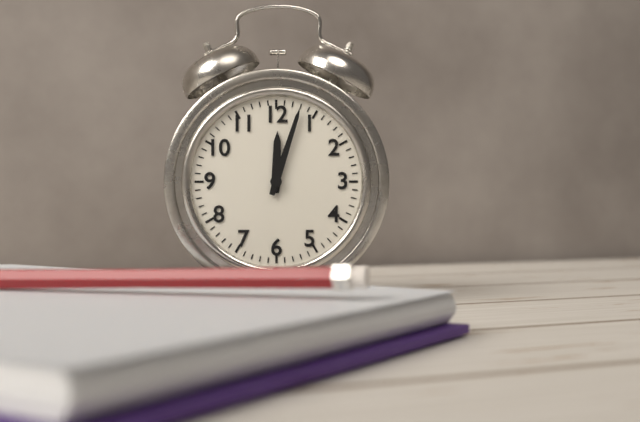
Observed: 12 h 03 min
